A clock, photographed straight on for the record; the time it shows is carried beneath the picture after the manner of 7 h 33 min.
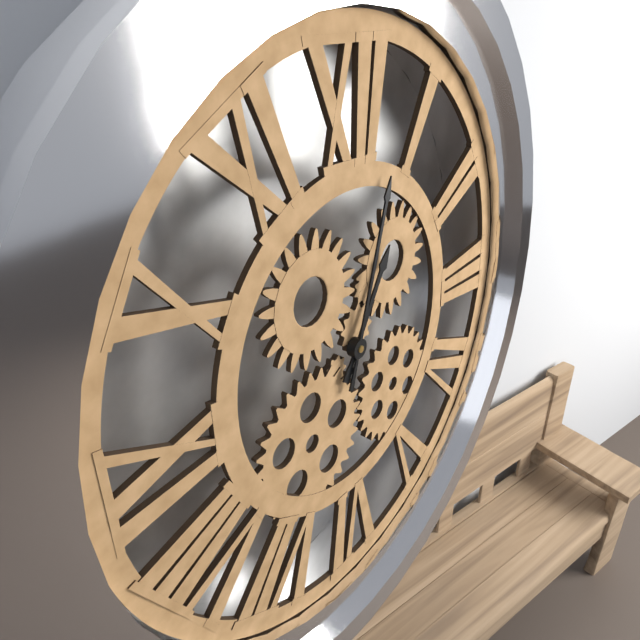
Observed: 1 h 03 min
